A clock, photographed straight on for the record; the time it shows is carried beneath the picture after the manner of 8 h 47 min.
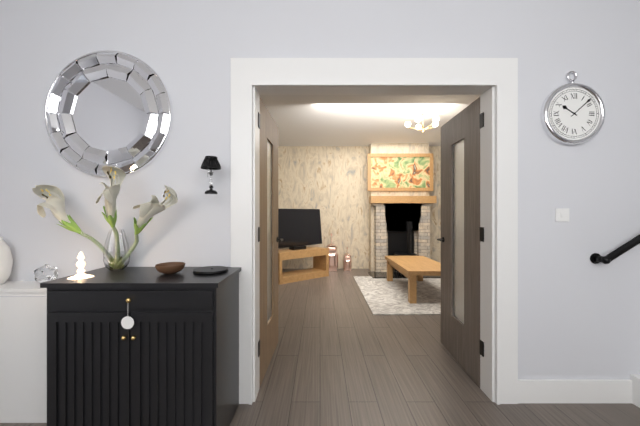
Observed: 10 h 08 min
